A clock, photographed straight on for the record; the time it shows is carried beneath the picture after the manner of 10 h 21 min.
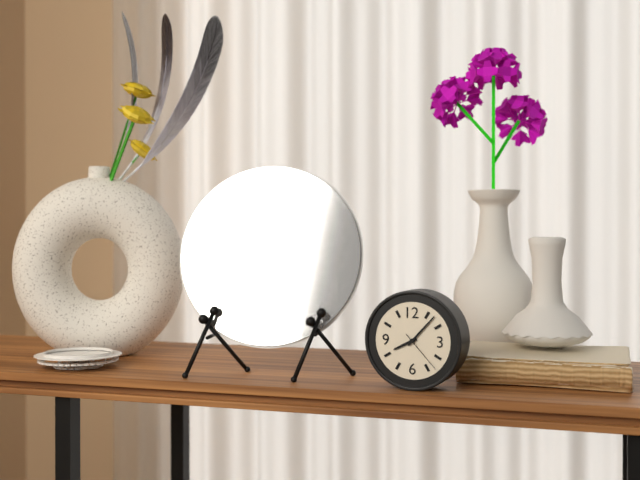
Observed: 8 h 07 min
